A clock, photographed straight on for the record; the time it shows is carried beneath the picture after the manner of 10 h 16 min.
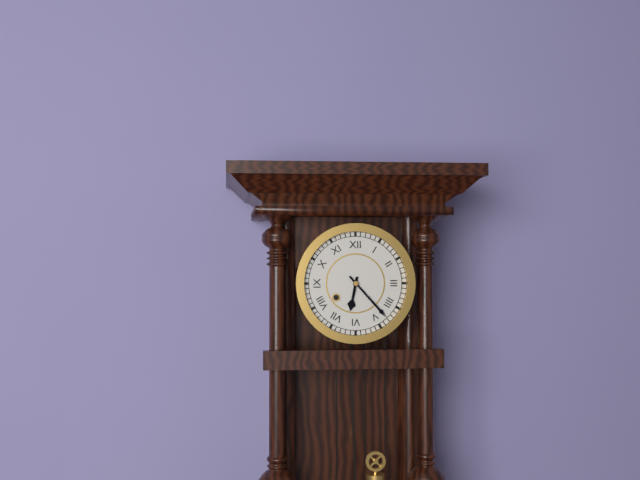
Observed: 6 h 23 min
